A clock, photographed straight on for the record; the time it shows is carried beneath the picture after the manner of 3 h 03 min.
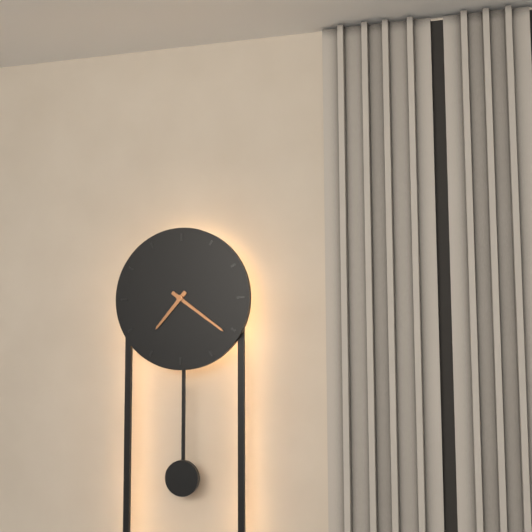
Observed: 7 h 21 min
